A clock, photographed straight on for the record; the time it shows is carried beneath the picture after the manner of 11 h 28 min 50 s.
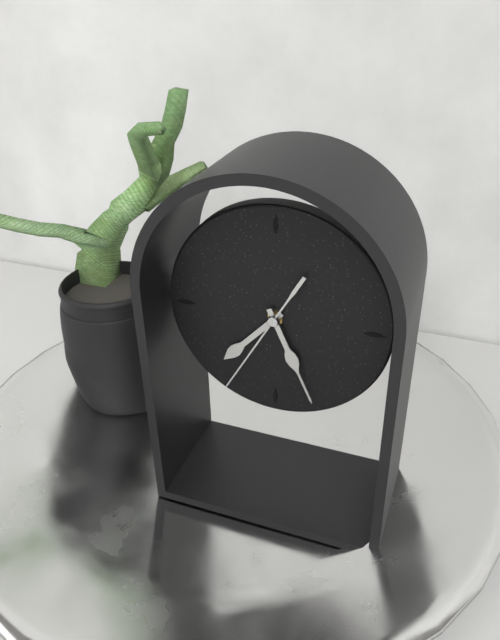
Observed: 7 h 26 min 35 s
